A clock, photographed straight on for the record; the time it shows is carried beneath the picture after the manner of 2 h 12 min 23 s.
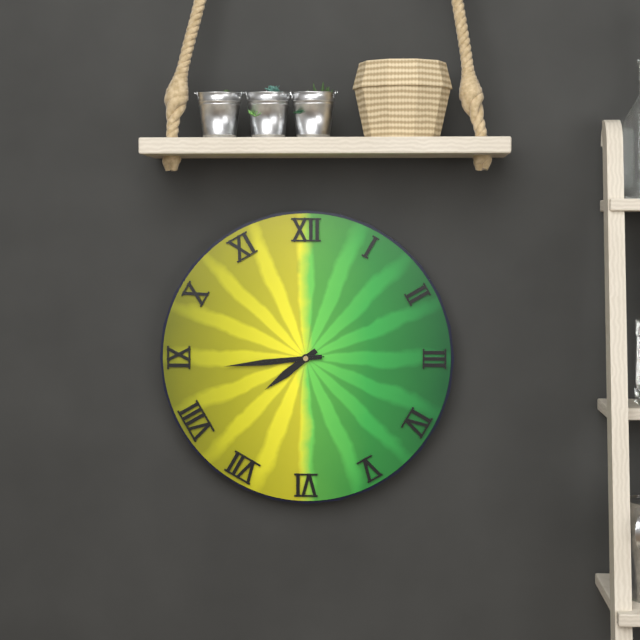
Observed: 7 h 44 min 44 s
